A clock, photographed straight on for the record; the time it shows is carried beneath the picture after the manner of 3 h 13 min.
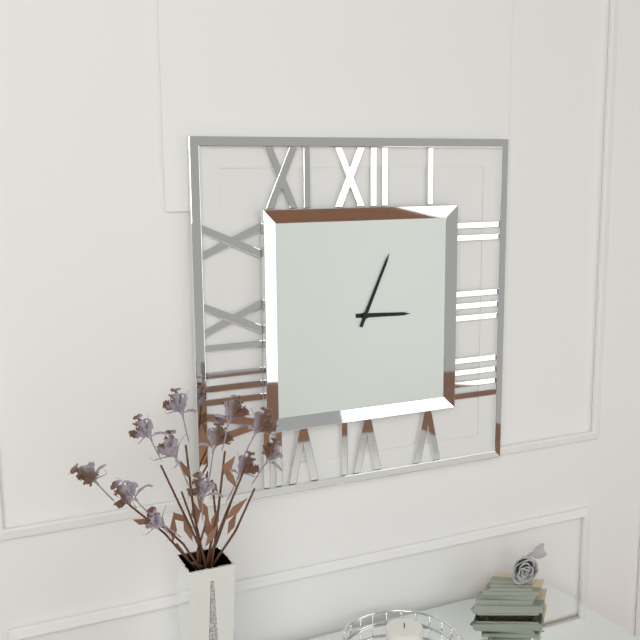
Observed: 3 h 04 min
